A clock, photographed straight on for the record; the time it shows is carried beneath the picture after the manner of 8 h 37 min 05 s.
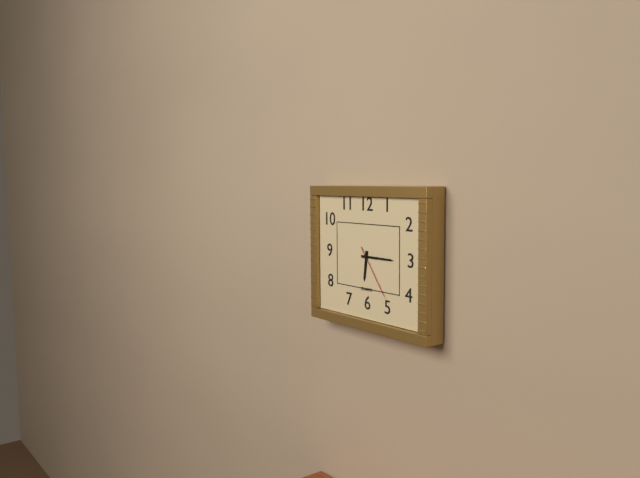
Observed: 6 h 15 min 24 s
